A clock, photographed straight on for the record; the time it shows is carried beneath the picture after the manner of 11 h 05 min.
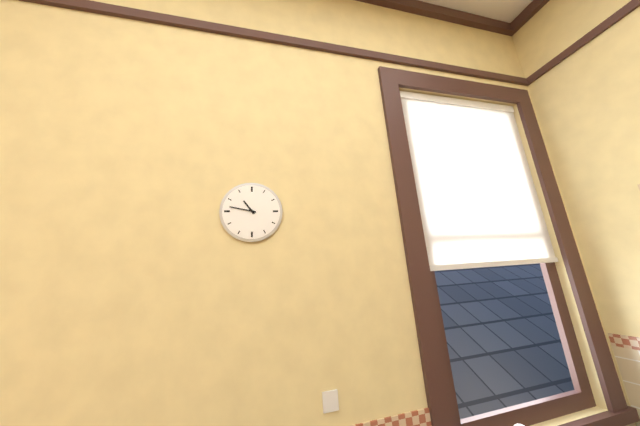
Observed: 10 h 47 min
